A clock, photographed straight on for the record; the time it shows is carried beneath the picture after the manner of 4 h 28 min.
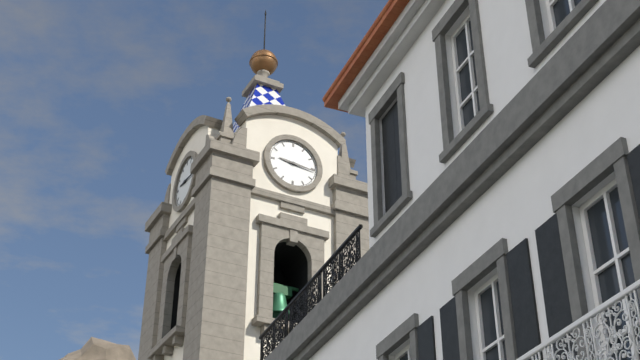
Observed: 9 h 16 min
